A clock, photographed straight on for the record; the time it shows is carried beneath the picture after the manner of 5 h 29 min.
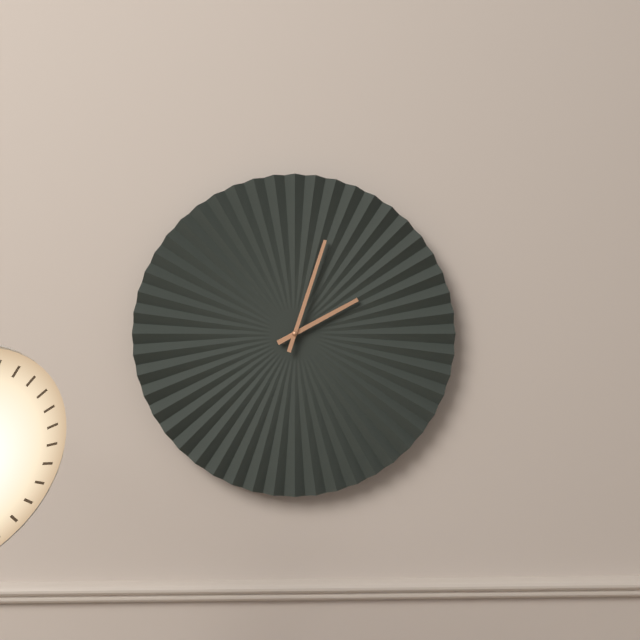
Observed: 2 h 03 min
